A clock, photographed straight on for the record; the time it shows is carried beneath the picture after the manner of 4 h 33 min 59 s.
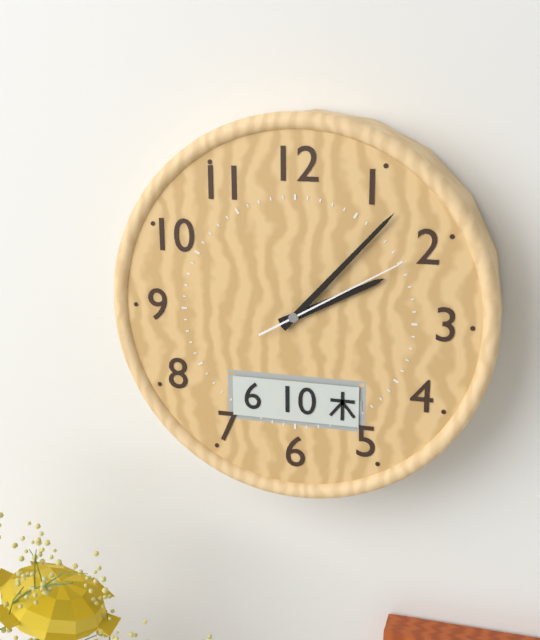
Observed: 2 h 07 min 10 s
